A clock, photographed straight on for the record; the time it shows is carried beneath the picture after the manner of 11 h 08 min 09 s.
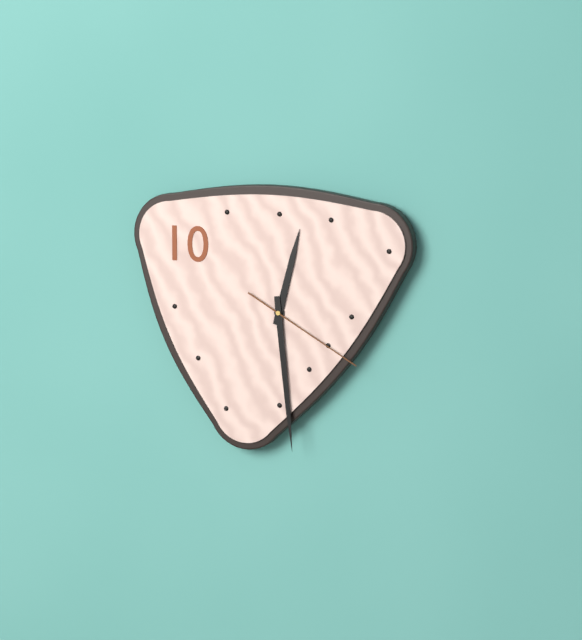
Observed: 12 h 29 min 20 s
